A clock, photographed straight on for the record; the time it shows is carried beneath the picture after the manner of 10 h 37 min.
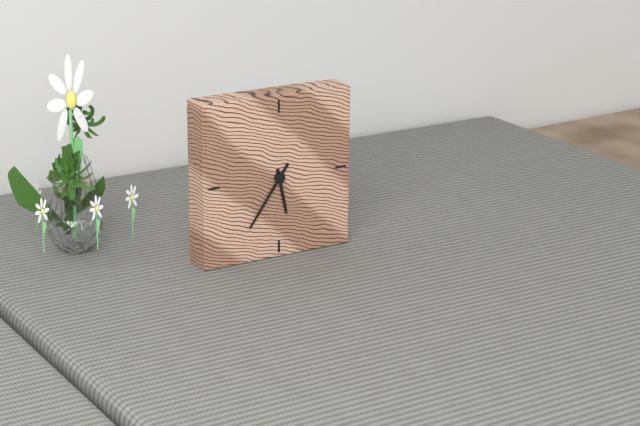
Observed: 5 h 36 min
